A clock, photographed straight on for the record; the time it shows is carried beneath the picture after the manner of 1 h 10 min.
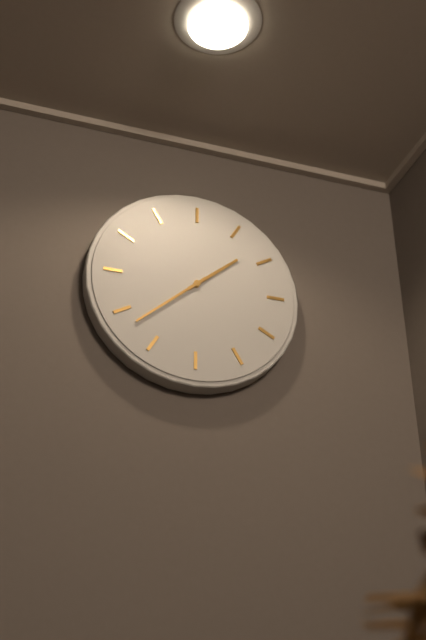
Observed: 1 h 38 min
